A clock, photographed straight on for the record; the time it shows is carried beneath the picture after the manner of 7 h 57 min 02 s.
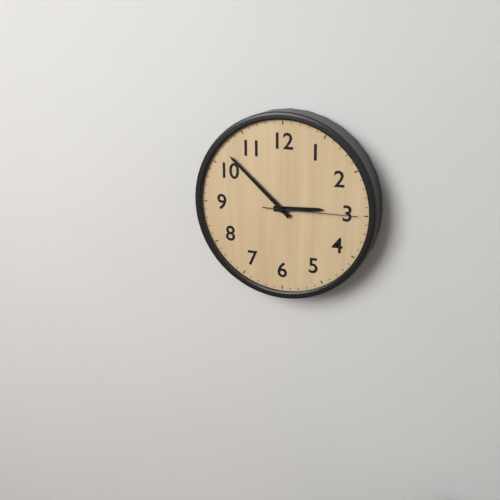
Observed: 2 h 52 min 15 s
